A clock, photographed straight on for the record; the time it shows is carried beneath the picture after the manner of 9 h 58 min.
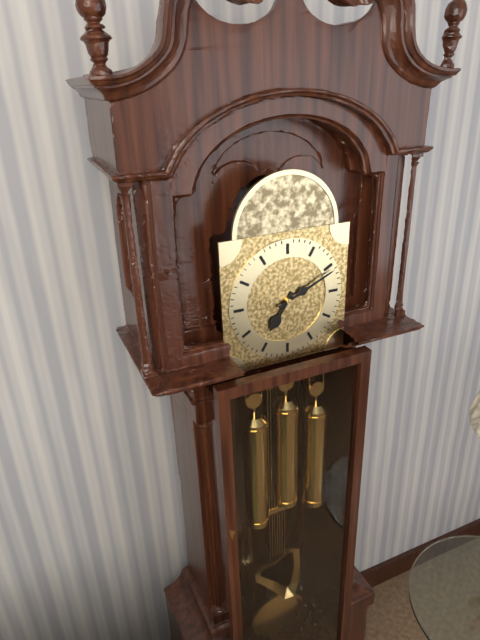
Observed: 7 h 11 min
